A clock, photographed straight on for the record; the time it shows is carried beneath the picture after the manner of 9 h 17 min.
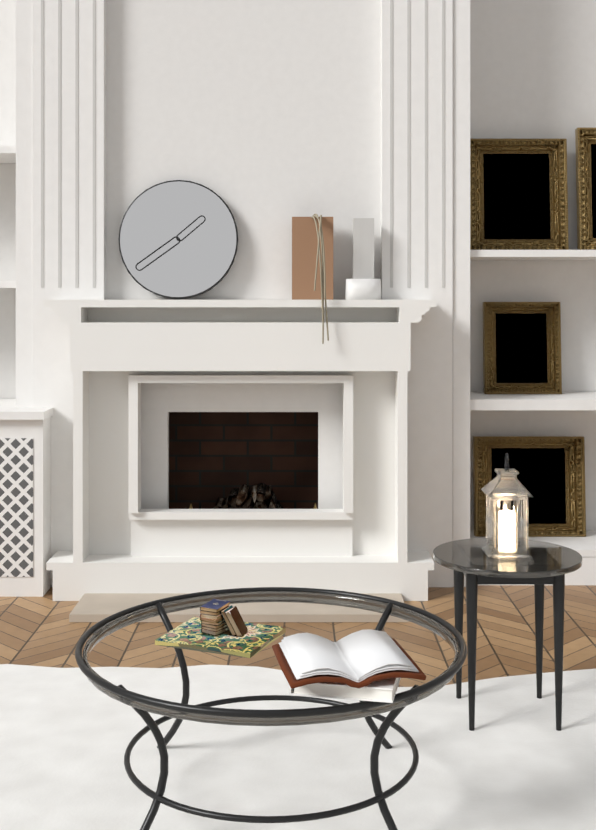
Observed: 1 h 39 min
